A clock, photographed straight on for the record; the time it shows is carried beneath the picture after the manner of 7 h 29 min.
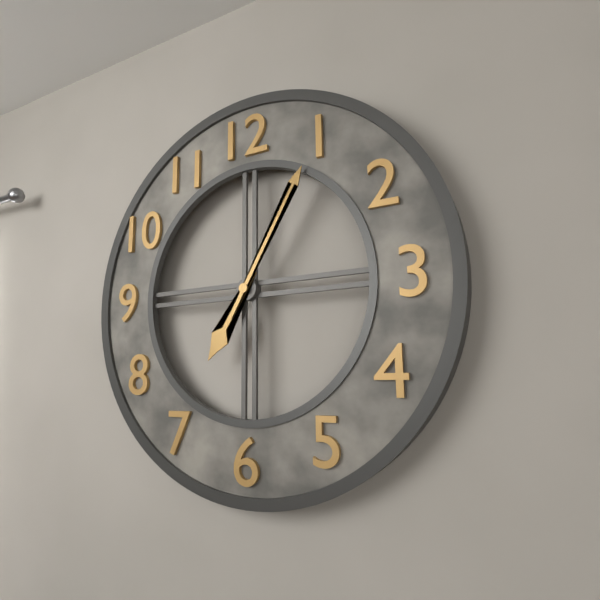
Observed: 7 h 05 min
